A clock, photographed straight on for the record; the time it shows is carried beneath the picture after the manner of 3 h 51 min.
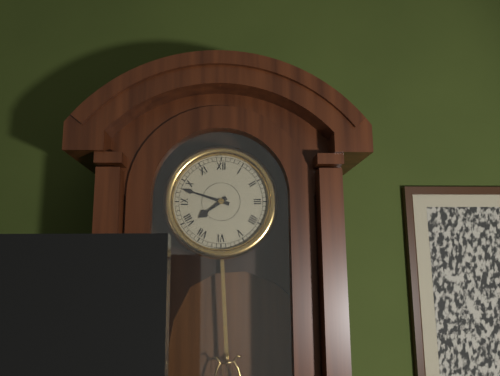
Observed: 7 h 48 min
